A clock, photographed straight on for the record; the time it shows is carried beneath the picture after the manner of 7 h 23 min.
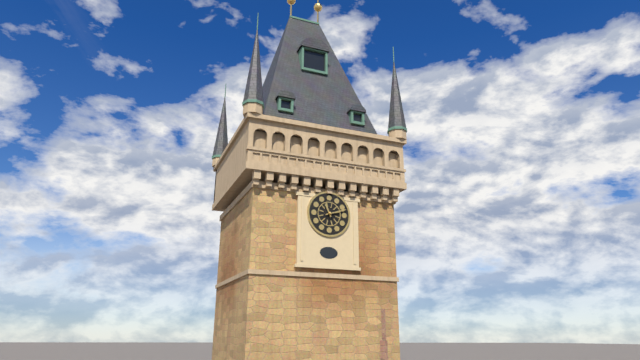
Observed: 11 h 12 min
